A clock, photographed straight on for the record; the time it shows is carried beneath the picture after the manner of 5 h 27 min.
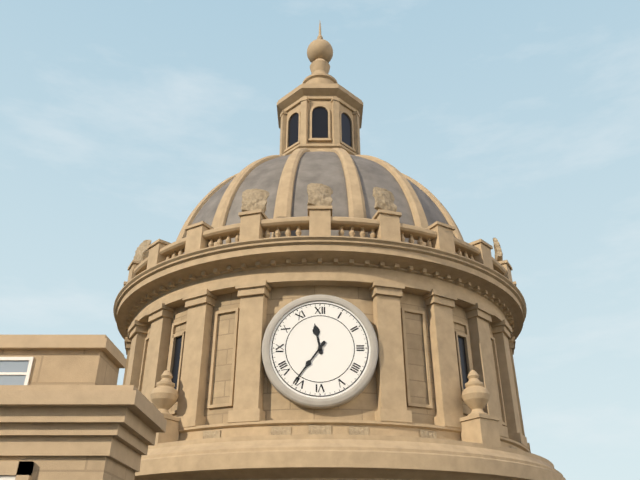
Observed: 11 h 36 min
